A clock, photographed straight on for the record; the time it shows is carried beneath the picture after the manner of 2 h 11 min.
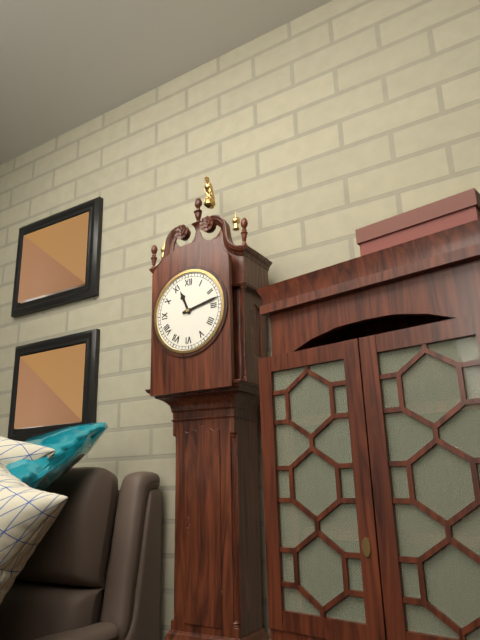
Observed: 11 h 13 min
